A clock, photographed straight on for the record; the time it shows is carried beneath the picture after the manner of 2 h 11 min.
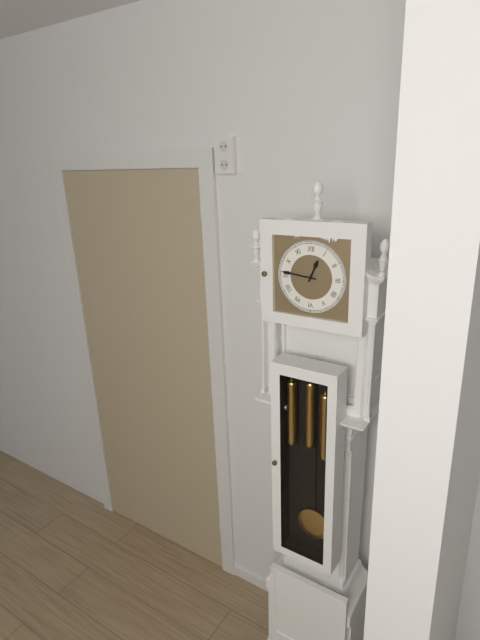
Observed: 12 h 46 min
